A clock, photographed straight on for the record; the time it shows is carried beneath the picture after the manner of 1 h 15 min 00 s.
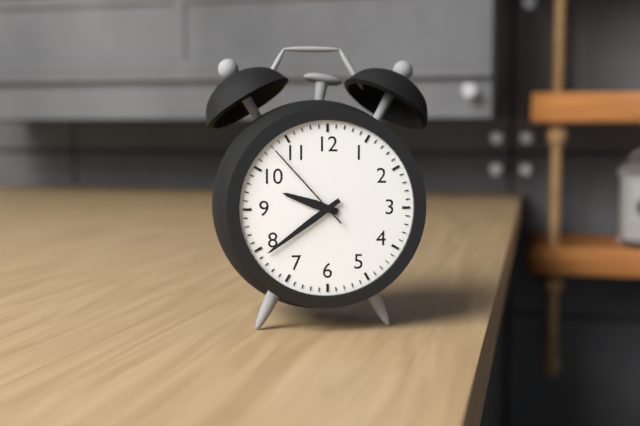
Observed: 9 h 39 min 53 s
